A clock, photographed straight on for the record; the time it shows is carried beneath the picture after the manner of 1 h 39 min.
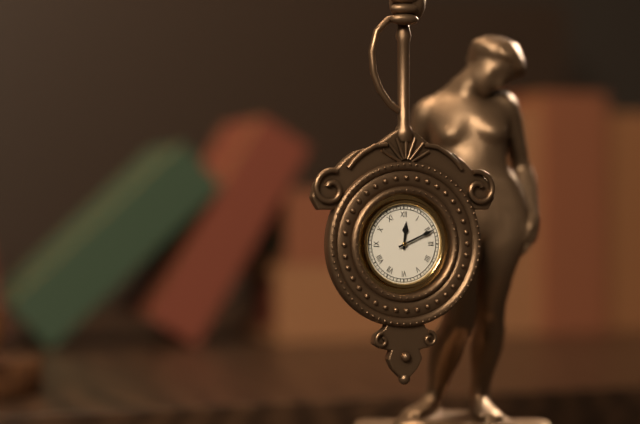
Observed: 12 h 11 min
